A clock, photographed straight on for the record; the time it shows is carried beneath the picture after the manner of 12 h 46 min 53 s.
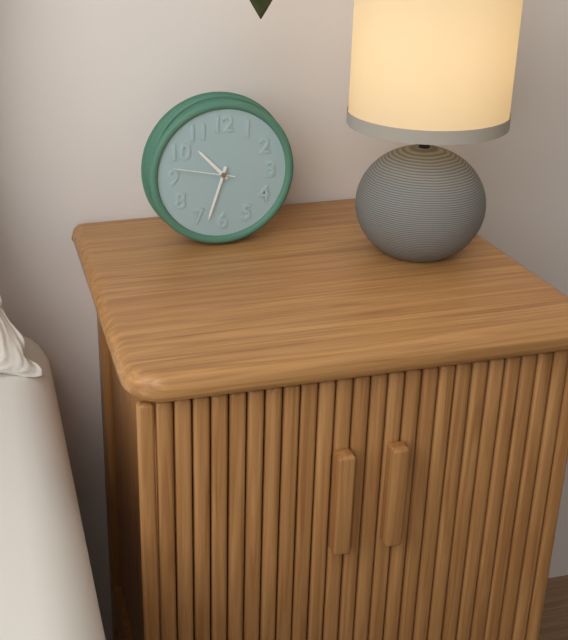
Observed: 10 h 33 min 47 s
